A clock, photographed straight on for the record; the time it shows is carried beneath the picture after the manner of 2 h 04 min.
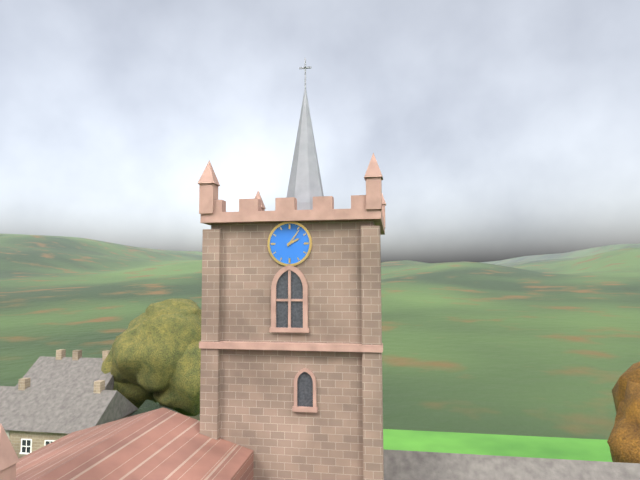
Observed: 2 h 06 min
